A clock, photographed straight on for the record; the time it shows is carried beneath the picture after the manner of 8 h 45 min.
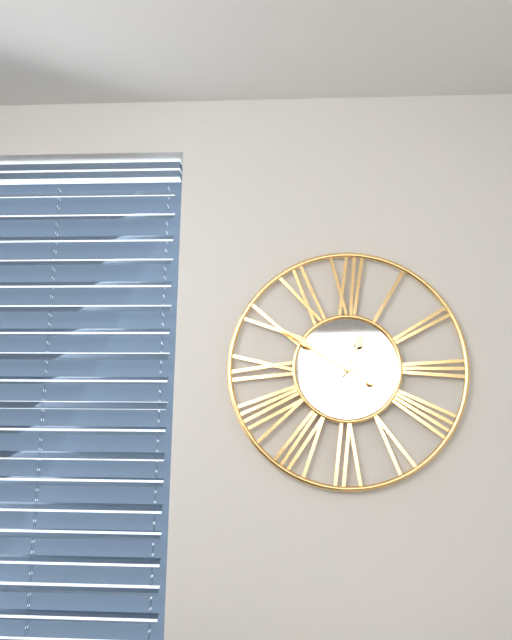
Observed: 12 h 50 min
